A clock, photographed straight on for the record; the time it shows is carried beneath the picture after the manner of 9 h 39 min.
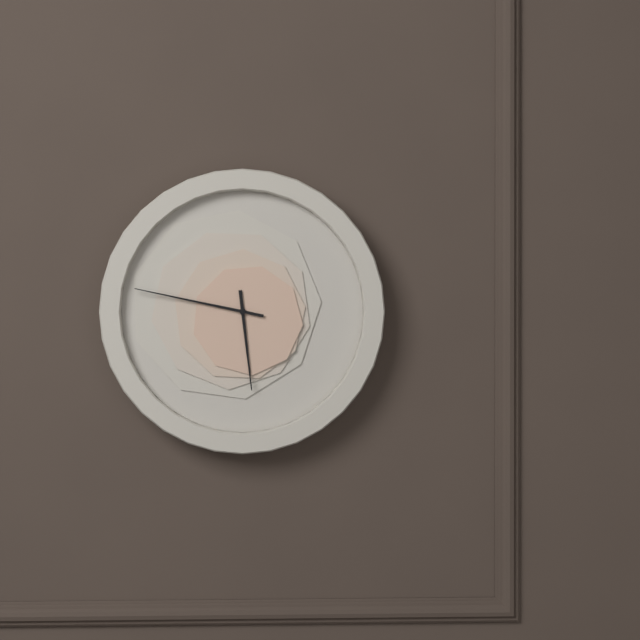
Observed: 5 h 47 min
